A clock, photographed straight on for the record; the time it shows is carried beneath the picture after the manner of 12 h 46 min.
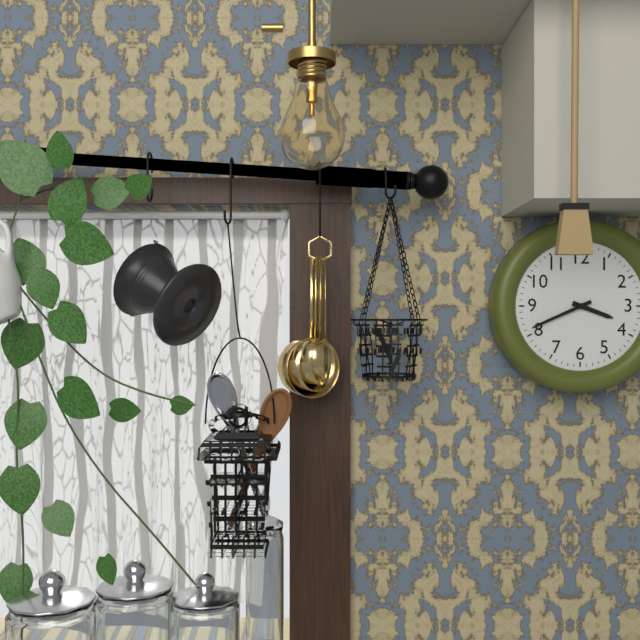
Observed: 3 h 41 min
